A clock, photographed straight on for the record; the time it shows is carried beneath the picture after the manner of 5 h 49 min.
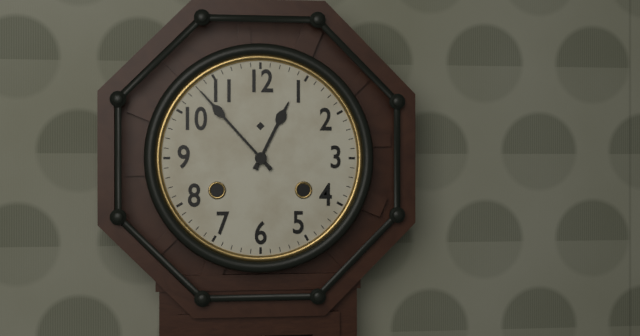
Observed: 12 h 53 min
